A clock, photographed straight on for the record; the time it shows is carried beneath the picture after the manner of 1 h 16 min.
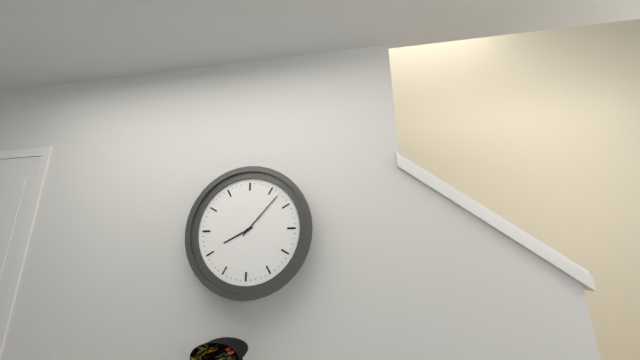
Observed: 8 h 07 min
